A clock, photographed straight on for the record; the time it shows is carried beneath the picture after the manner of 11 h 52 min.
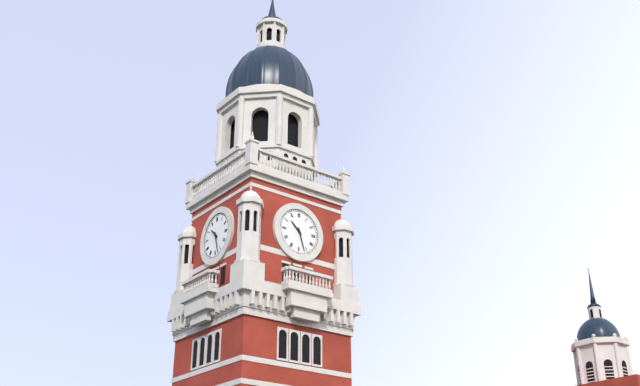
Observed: 10 h 27 min
